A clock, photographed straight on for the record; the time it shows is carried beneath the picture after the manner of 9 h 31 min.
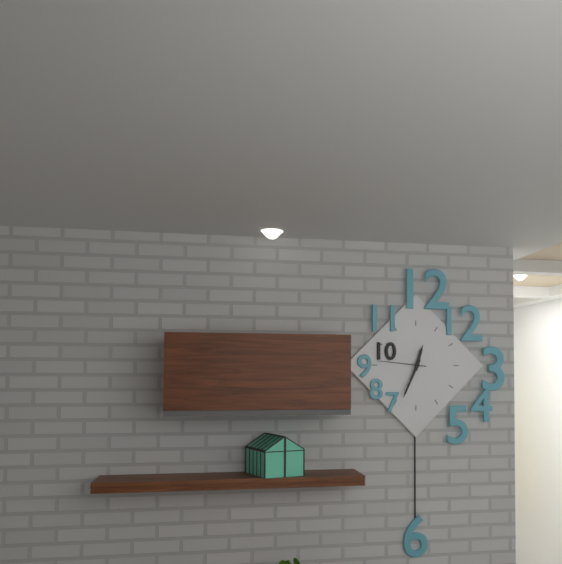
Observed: 12 h 34 min
